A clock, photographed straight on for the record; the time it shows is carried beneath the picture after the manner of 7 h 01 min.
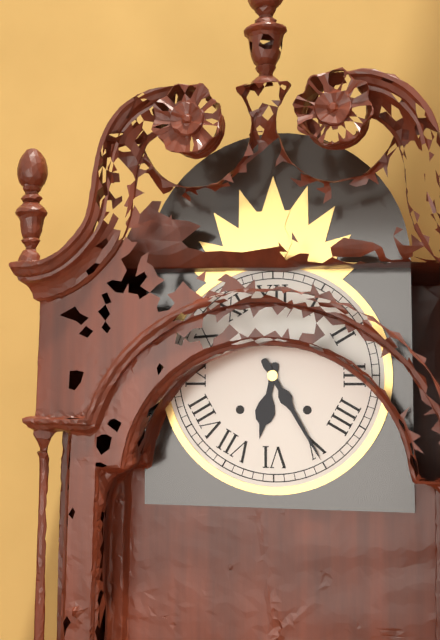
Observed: 6 h 25 min
